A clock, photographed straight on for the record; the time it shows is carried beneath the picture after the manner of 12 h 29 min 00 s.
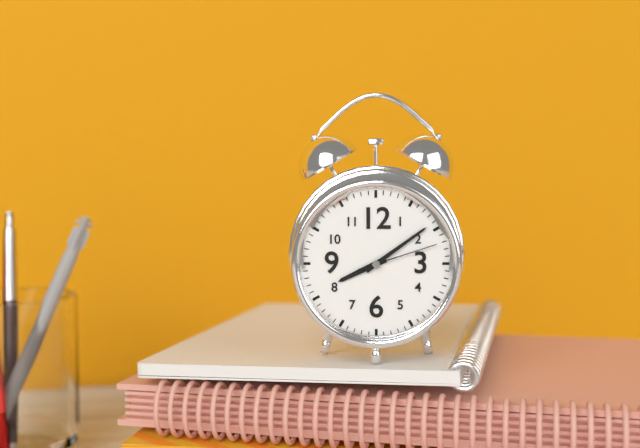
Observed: 8 h 09 min 12 s
